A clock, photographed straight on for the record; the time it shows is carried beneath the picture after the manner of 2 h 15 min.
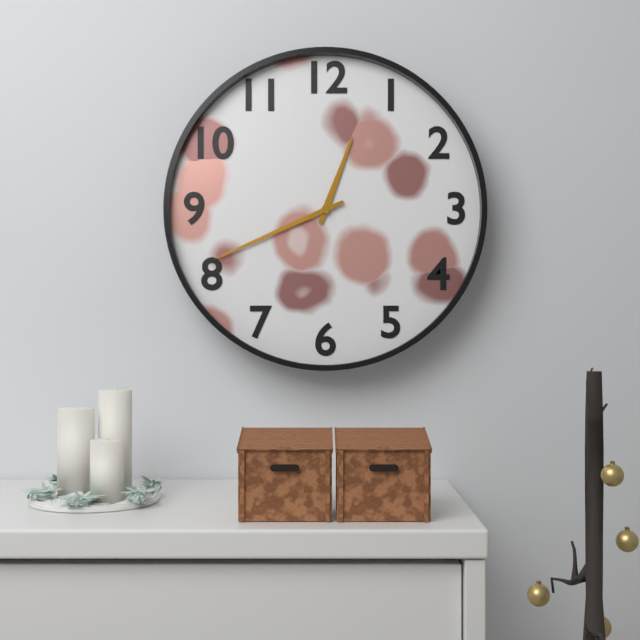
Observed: 12 h 41 min
